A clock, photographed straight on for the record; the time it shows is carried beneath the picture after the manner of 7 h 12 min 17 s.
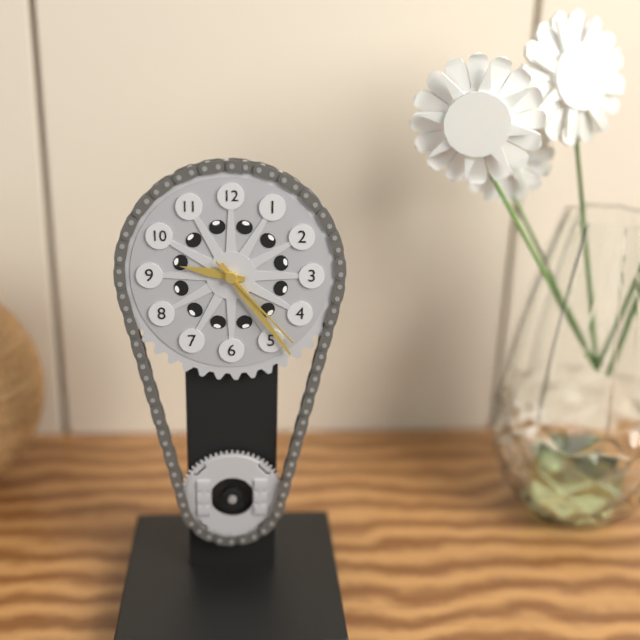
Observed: 9 h 24 min 23 s
